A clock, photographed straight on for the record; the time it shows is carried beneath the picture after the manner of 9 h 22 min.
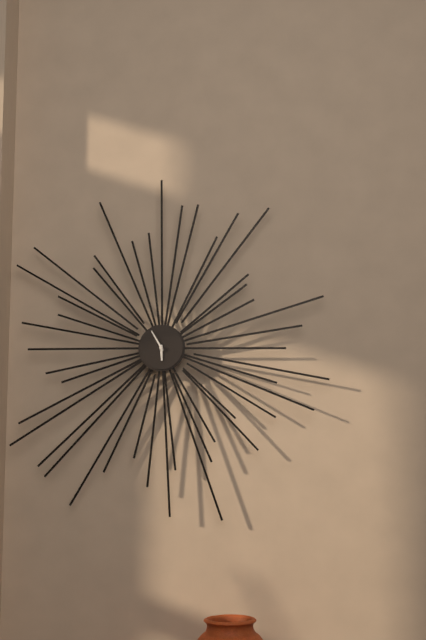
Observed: 5 h 55 min
